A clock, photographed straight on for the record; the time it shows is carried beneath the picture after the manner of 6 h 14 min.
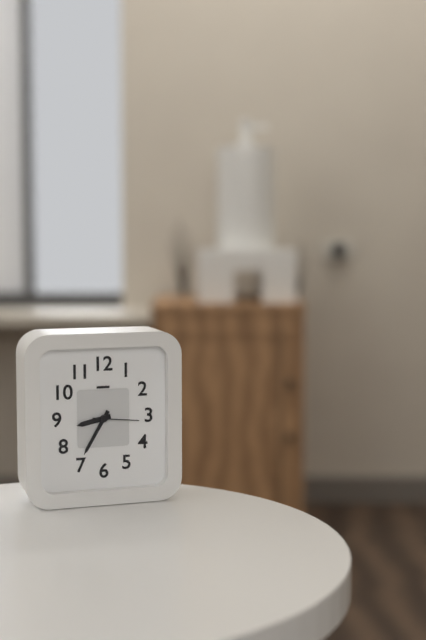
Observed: 8 h 35 min
